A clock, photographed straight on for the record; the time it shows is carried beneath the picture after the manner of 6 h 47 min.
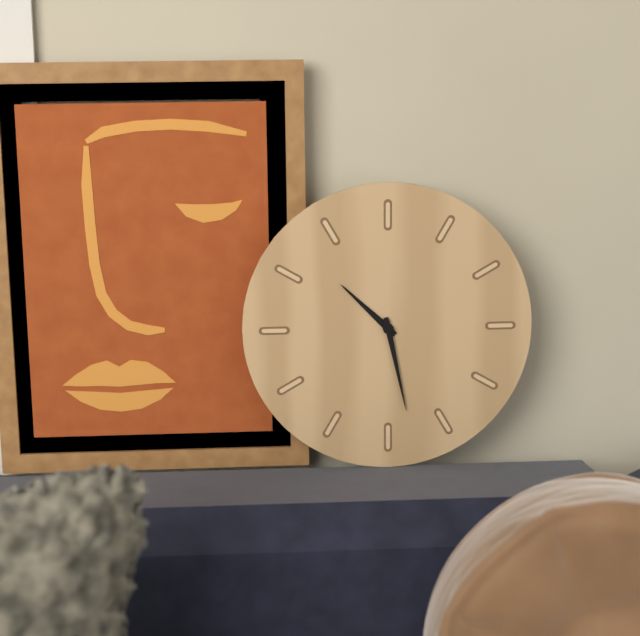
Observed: 10 h 28 min
